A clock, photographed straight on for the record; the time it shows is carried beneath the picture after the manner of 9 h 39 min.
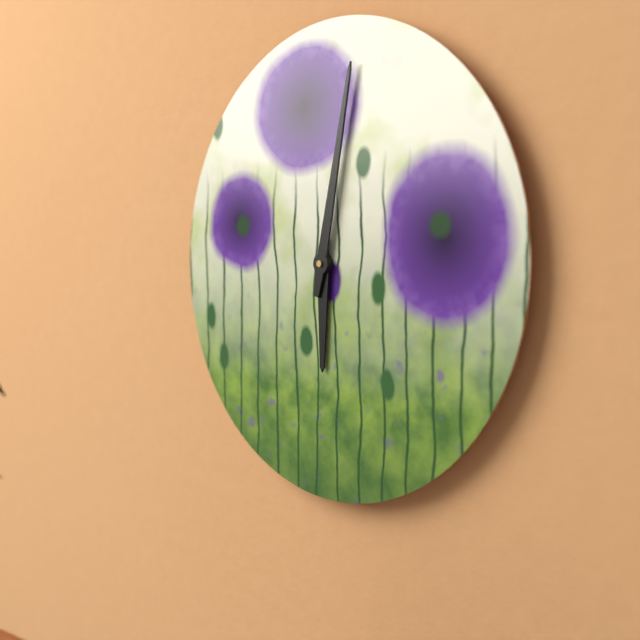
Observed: 6 h 02 min
